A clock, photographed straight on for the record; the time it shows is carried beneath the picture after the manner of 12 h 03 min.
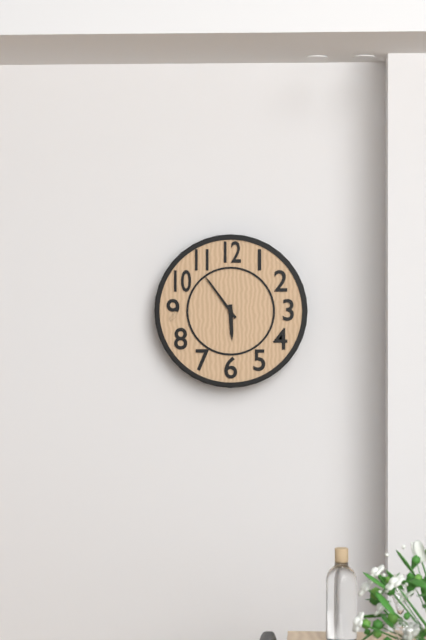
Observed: 5 h 54 min
